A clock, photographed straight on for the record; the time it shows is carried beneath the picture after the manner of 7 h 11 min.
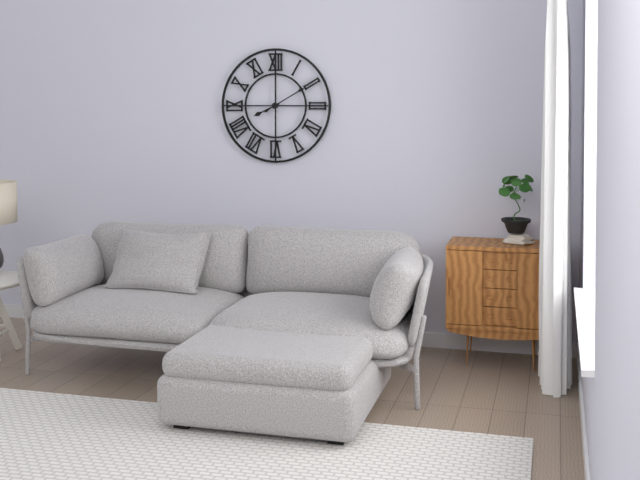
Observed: 8 h 10 min
